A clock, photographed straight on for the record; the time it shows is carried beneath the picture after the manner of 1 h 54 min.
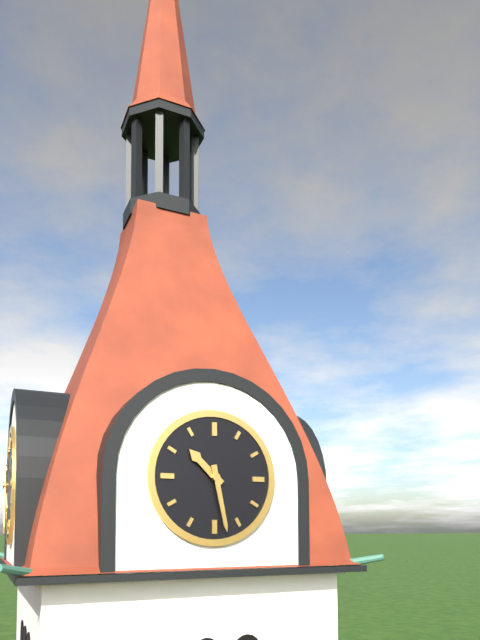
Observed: 10 h 28 min
